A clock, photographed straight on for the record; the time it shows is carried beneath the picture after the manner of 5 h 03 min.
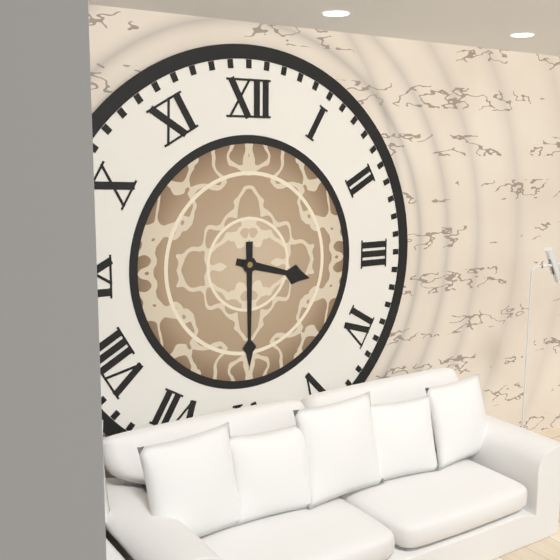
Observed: 3 h 30 min
